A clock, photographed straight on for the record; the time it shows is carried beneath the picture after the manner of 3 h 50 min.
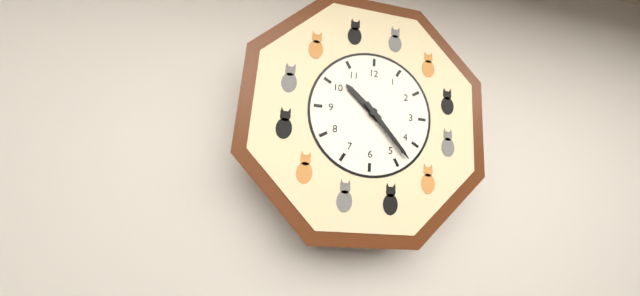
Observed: 10 h 23 min
